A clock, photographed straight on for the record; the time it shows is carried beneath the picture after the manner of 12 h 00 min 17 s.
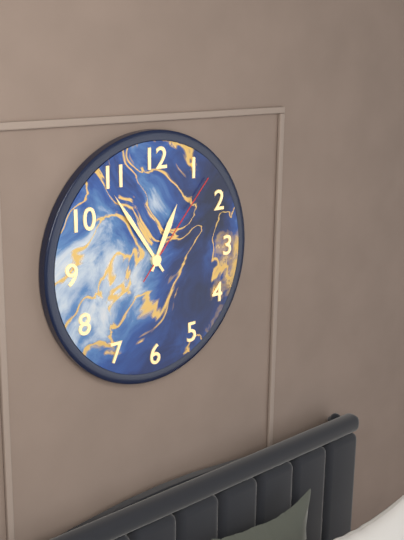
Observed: 12 h 54 min 07 s
